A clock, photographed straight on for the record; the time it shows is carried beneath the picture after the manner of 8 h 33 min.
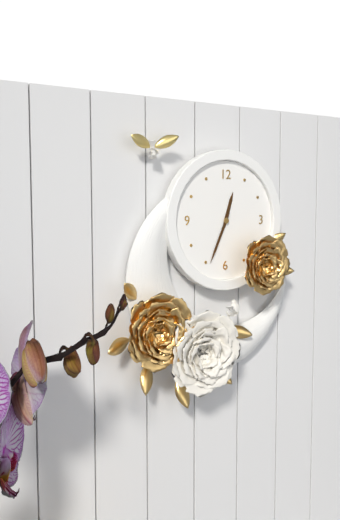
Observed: 12 h 34 min
